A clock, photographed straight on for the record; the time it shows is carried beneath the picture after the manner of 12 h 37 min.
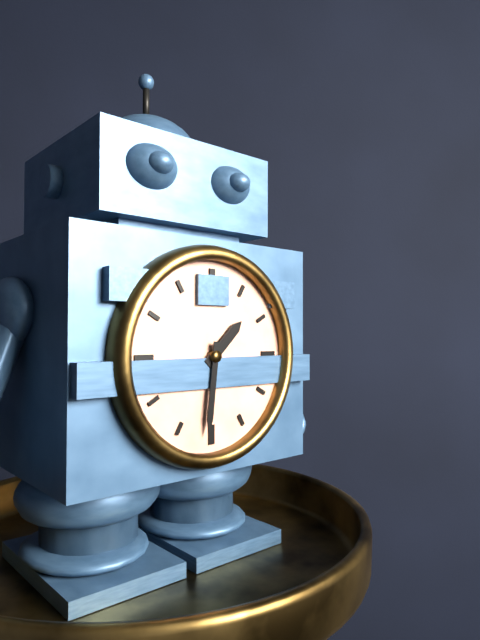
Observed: 1 h 31 min
